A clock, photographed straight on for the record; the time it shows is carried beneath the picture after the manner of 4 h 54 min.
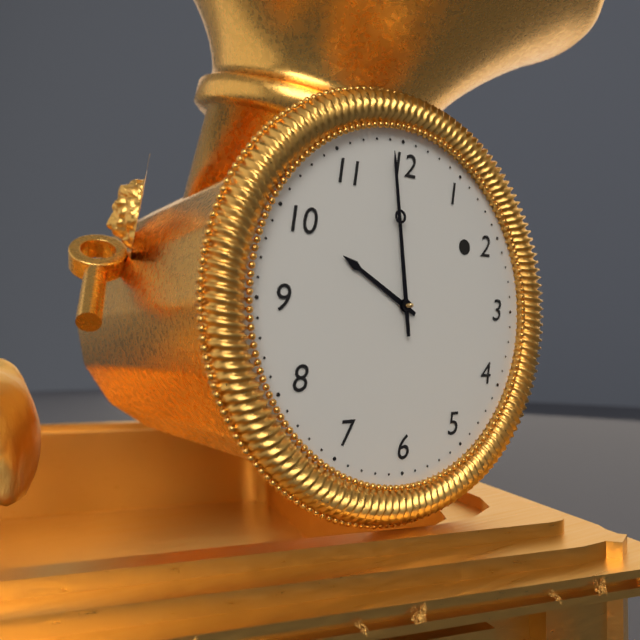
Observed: 9 h 59 min
